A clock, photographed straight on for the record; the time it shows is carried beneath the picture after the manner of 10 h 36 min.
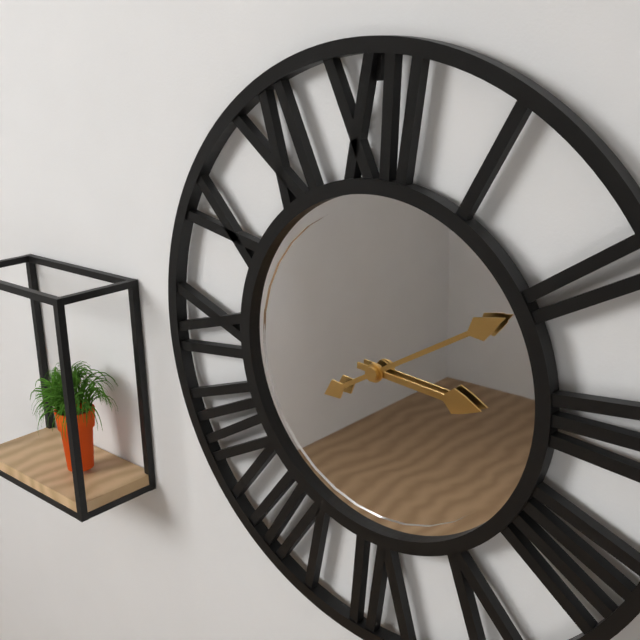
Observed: 3 h 10 min
